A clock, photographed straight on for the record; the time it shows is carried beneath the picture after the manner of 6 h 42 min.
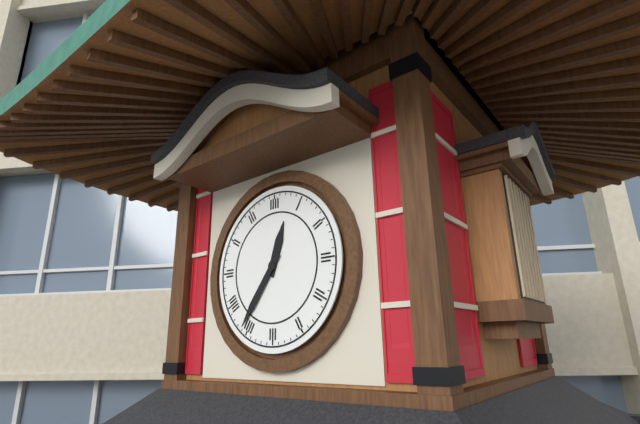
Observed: 12 h 36 min
